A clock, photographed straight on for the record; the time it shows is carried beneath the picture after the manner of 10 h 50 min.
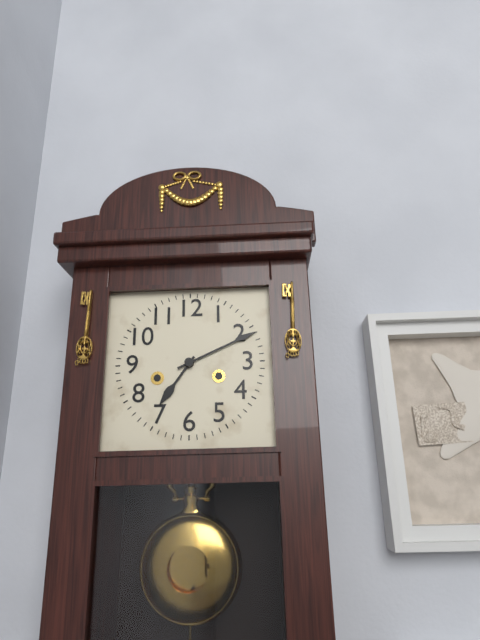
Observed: 7 h 11 min
